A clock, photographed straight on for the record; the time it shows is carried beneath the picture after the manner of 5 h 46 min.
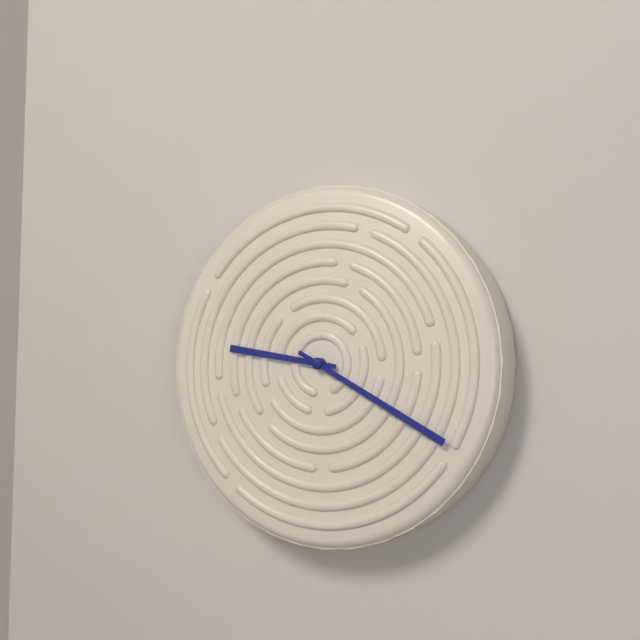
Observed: 9 h 20 min
